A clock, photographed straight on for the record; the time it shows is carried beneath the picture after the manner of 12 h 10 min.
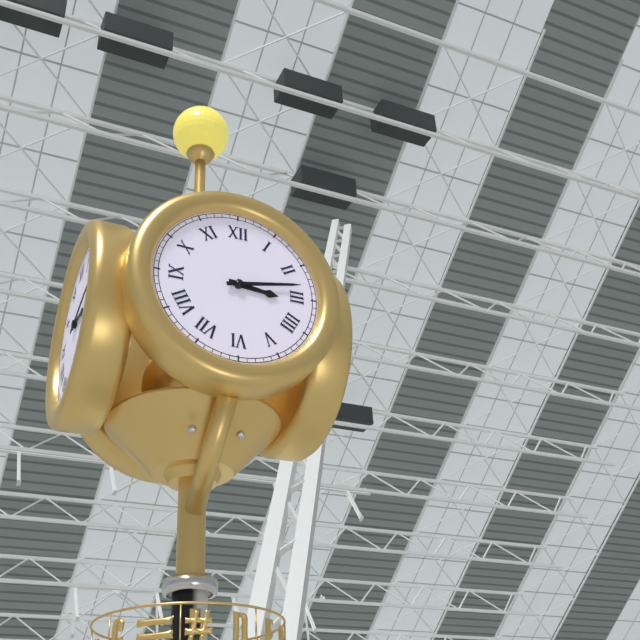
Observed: 3 h 13 min
